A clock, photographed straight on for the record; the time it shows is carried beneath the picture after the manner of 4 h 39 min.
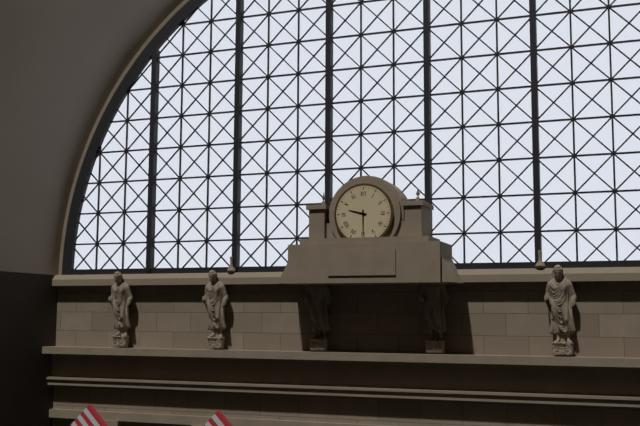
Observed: 9 h 30 min
